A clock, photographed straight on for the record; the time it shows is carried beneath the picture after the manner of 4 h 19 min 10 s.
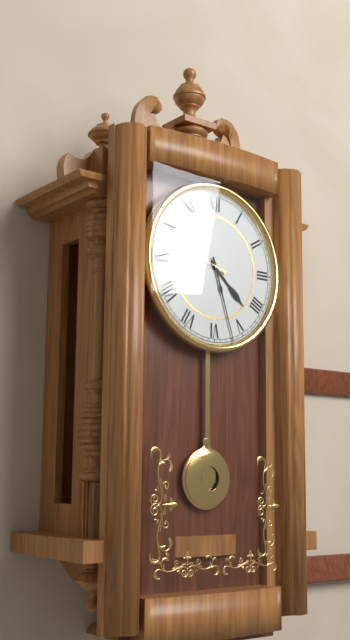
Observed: 4 h 27 min 48 s
